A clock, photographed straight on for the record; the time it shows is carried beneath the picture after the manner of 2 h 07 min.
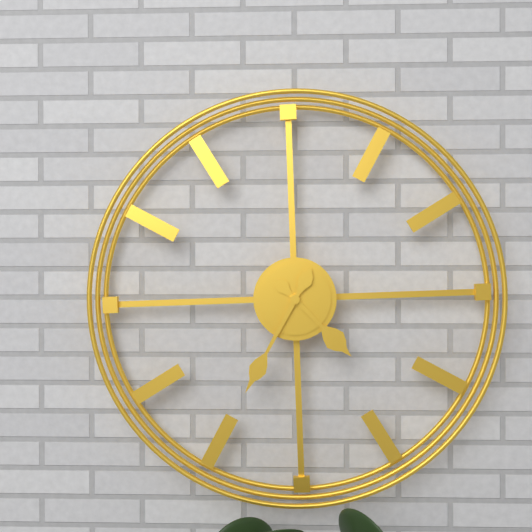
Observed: 4 h 35 min
